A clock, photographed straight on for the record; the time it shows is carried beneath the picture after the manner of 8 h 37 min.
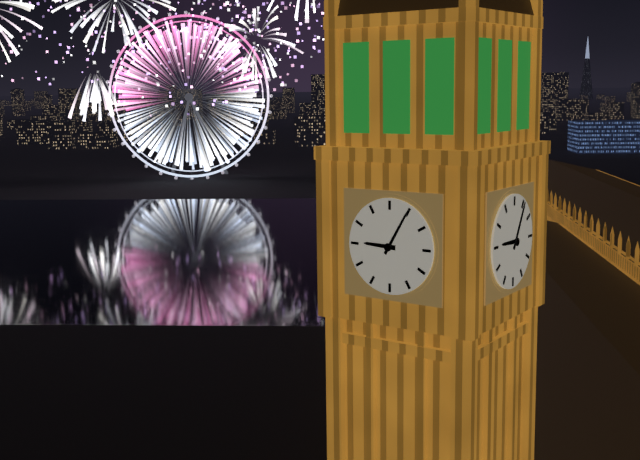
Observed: 9 h 05 min
